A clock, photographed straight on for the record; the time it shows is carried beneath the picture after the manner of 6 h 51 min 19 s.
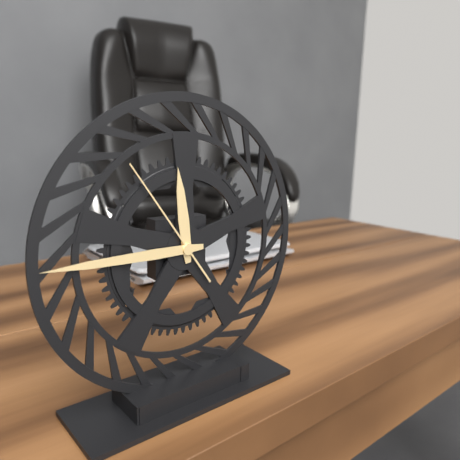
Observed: 11 h 45 min 54 s
